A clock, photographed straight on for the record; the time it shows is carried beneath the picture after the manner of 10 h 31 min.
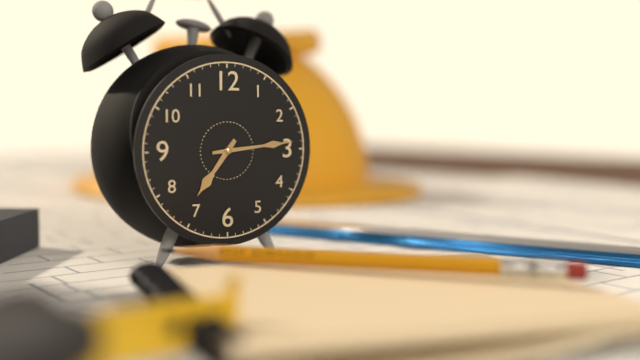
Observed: 7 h 14 min
